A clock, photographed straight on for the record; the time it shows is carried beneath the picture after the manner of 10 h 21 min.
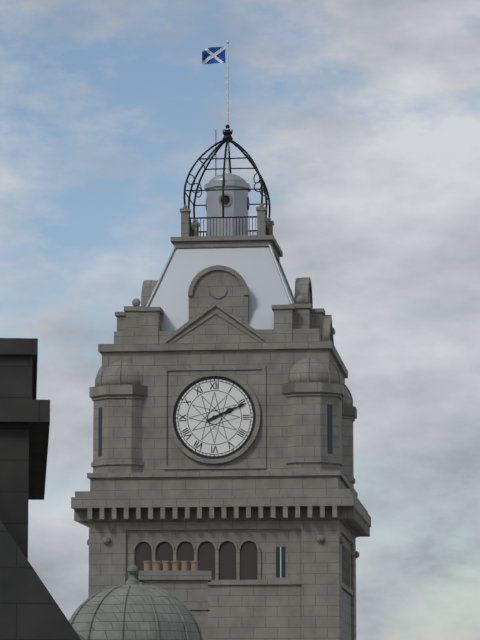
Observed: 2 h 11 min
